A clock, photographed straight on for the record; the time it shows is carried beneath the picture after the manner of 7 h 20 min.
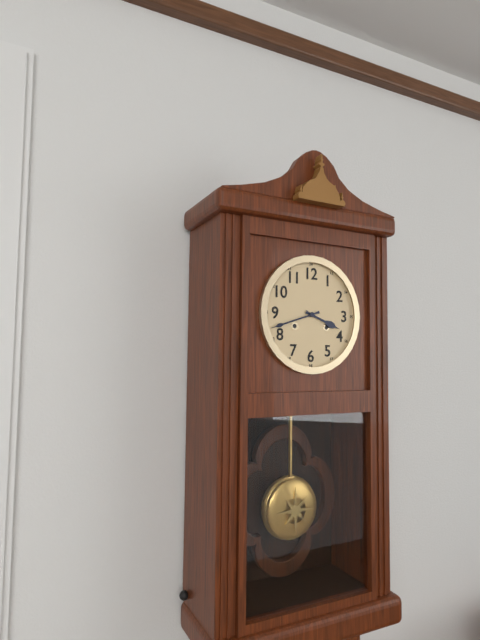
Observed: 3 h 42 min
